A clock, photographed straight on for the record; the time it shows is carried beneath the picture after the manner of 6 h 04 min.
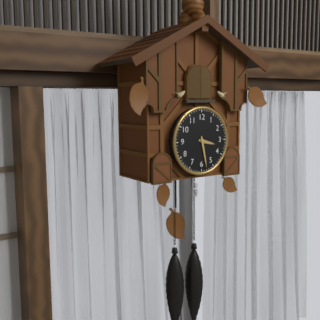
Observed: 3 h 28 min
